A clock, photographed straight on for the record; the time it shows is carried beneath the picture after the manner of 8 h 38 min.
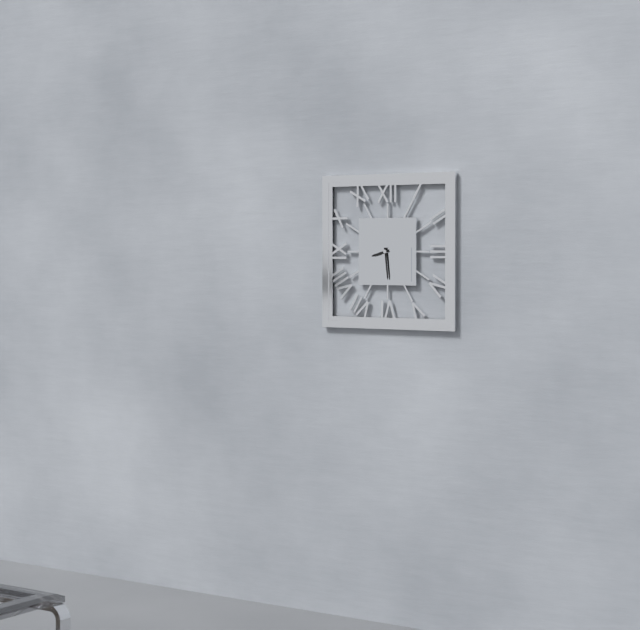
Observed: 8 h 29 min
